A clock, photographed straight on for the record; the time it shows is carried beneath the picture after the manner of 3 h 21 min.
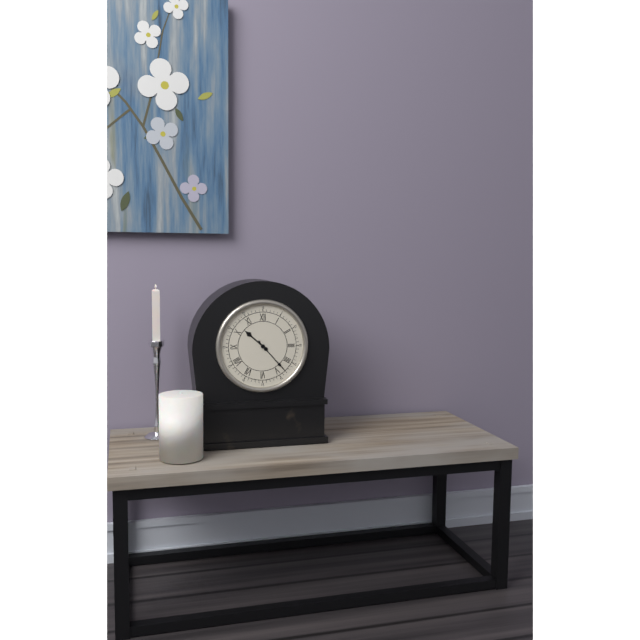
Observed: 10 h 23 min
